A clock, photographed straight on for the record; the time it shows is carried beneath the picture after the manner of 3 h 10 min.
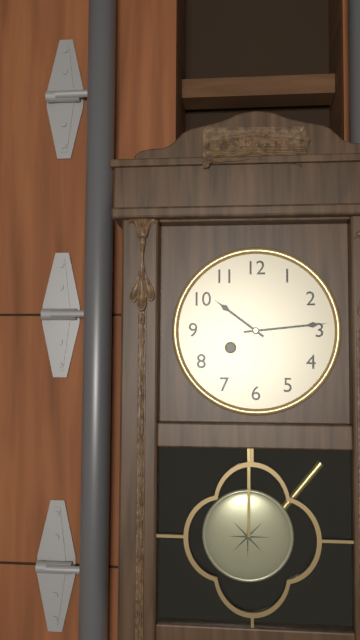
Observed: 10 h 14 min
